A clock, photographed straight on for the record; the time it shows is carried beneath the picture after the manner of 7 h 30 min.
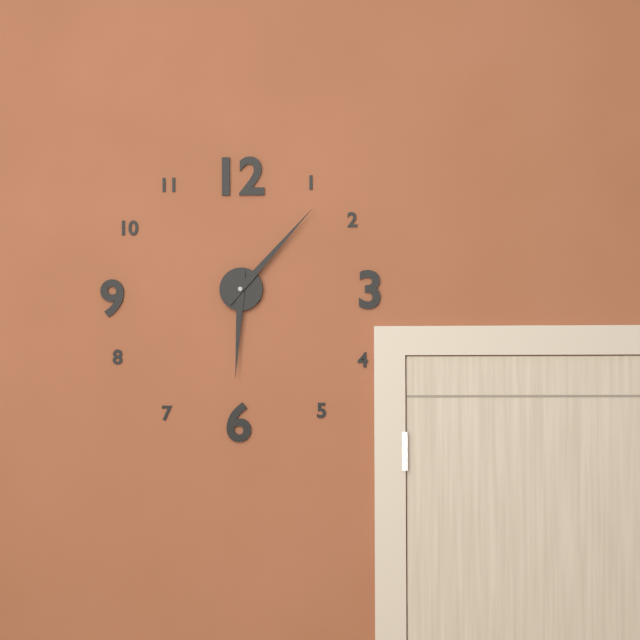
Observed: 6 h 07 min
